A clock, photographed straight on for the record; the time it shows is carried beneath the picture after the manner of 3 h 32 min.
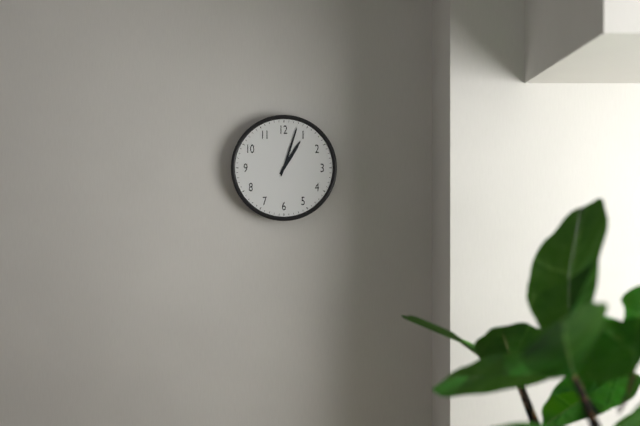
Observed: 1 h 03 min
